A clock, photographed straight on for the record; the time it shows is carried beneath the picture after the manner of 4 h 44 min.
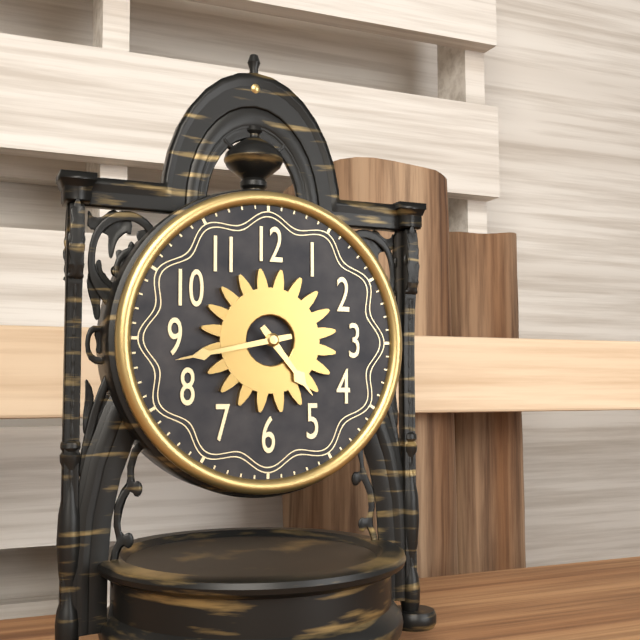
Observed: 4 h 43 min
